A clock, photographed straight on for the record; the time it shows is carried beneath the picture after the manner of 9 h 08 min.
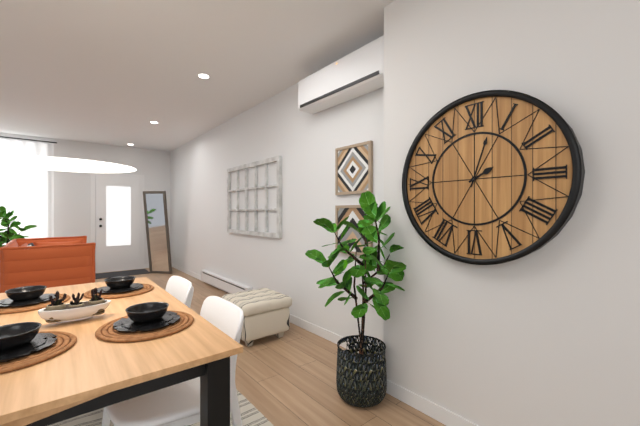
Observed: 2 h 03 min
